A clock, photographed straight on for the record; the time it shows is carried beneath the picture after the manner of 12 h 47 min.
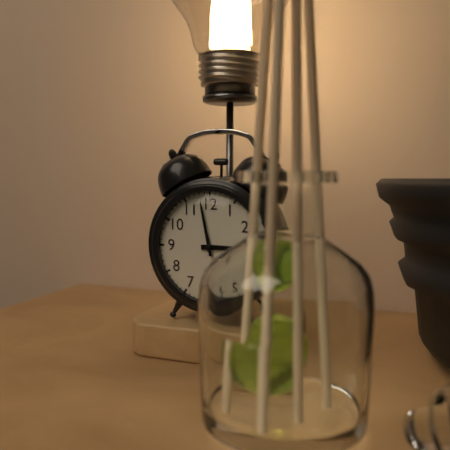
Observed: 2 h 58 min
